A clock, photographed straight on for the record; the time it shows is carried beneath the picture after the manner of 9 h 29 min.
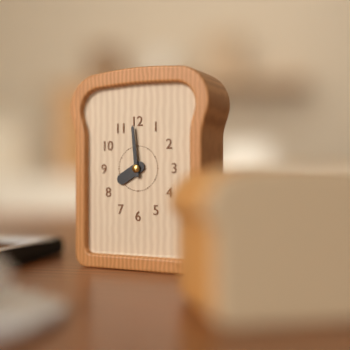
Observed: 7 h 59 min
